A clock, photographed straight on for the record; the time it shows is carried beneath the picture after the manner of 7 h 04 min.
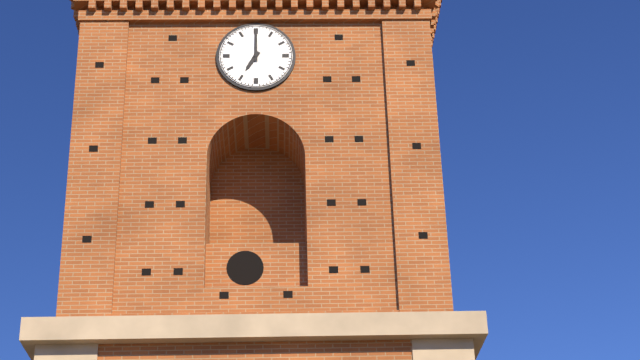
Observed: 7 h 00 min
